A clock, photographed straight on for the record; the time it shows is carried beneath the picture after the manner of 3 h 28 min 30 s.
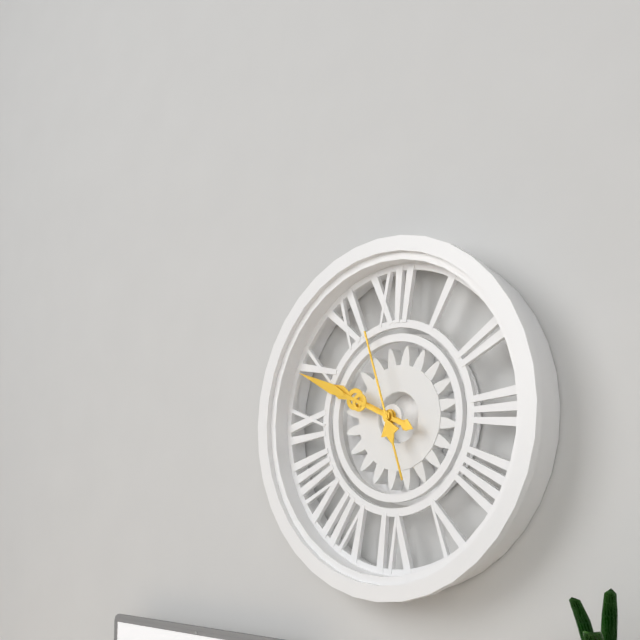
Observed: 9 h 49 min 57 s
